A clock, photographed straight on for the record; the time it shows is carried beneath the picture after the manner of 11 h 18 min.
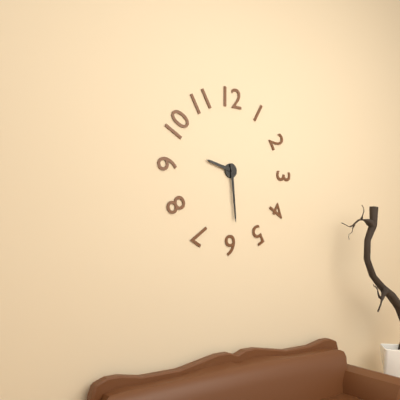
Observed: 9 h 29 min
